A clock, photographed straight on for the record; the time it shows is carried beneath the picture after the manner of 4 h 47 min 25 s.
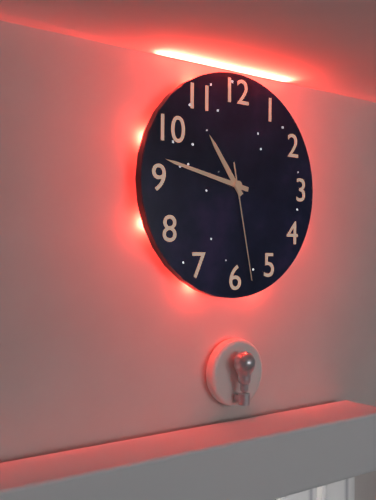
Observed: 10 h 47 min 28 s
